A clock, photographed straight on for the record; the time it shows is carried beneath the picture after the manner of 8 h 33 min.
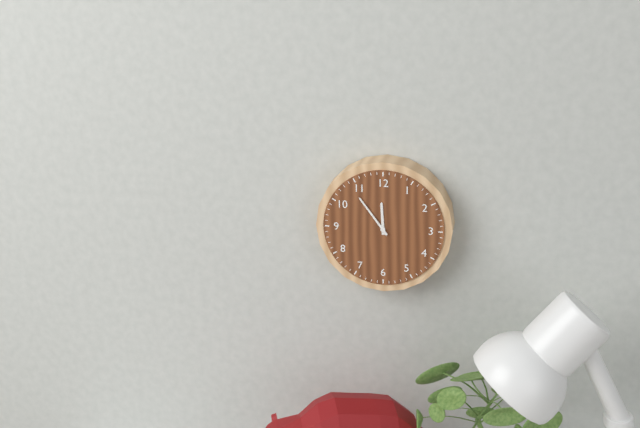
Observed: 11 h 54 min
